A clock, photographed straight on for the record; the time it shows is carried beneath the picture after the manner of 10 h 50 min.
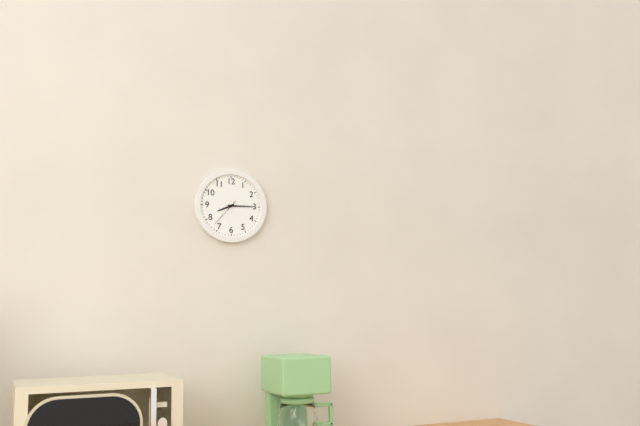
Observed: 8 h 15 min
